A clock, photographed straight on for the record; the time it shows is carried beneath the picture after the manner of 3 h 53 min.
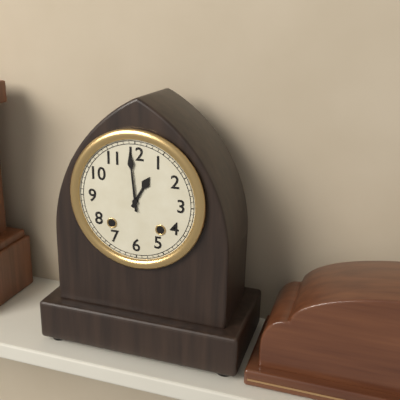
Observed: 12 h 59 min
